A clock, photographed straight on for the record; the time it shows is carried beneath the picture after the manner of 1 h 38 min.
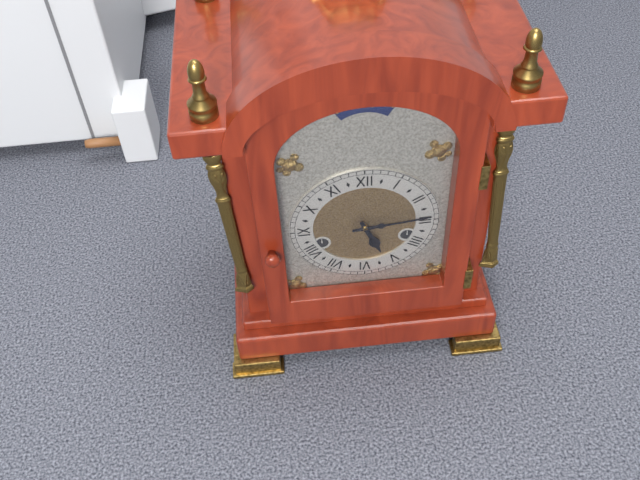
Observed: 5 h 14 min
